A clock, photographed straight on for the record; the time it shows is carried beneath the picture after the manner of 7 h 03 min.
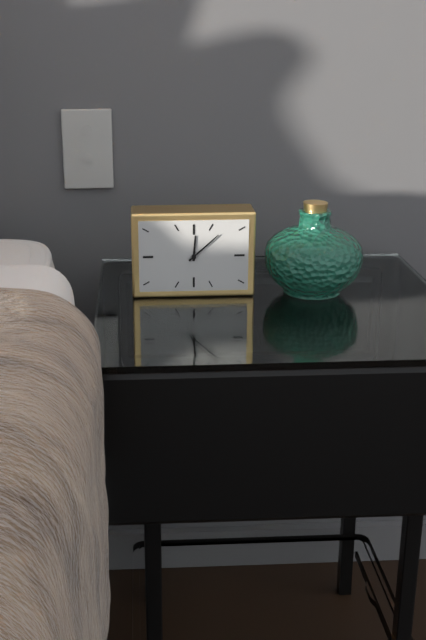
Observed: 12 h 08 min
